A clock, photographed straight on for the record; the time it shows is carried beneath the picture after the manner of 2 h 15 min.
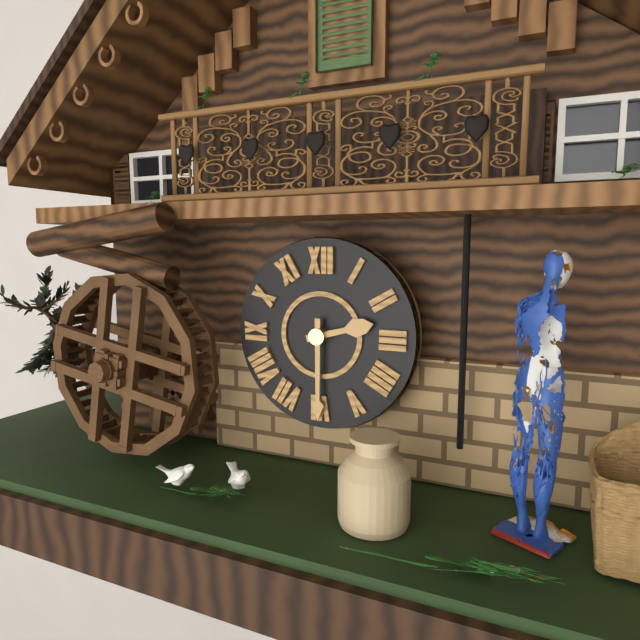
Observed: 2 h 30 min
